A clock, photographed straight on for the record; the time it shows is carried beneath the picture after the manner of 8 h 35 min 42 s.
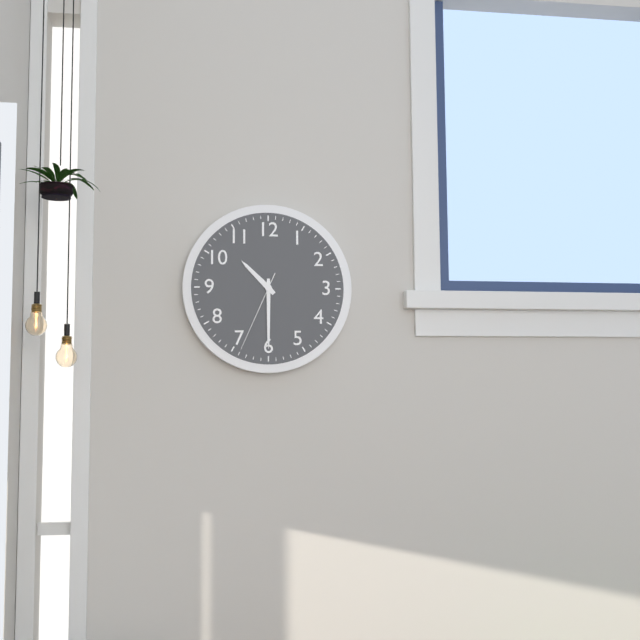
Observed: 10 h 30 min 34 s
